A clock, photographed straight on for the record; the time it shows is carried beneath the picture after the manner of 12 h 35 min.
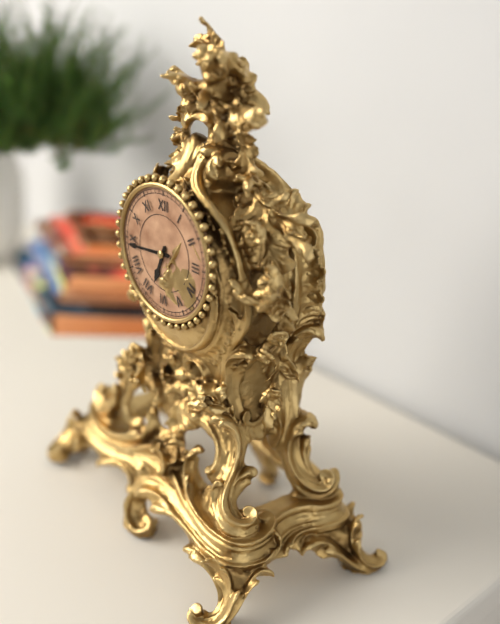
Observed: 6 h 44 min
